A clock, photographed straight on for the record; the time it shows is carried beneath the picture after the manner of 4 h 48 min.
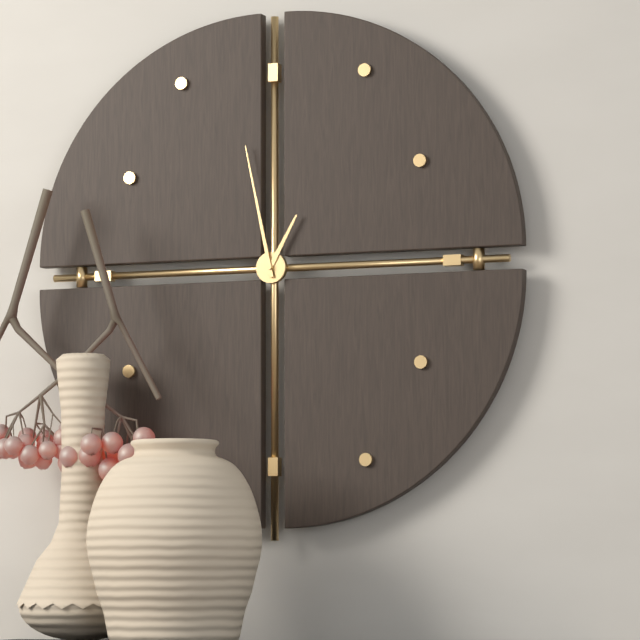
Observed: 12 h 58 min
